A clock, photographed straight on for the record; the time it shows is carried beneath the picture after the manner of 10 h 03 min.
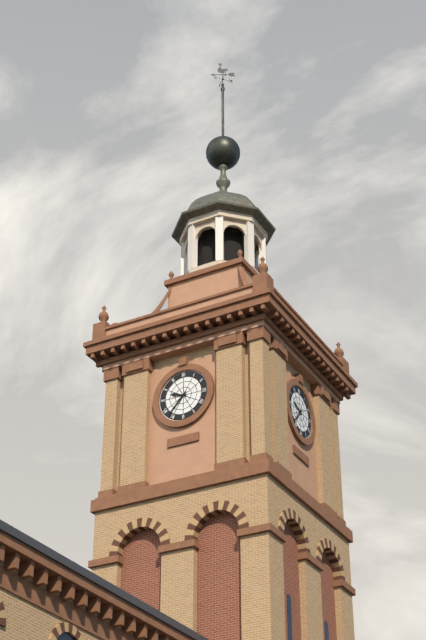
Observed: 9 h 37 min
